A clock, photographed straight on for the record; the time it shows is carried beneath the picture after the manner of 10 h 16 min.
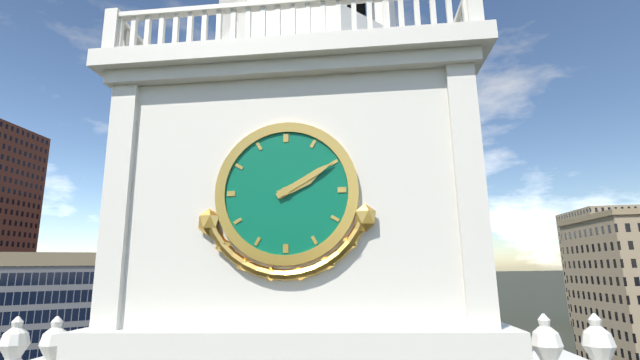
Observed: 2 h 10 min
